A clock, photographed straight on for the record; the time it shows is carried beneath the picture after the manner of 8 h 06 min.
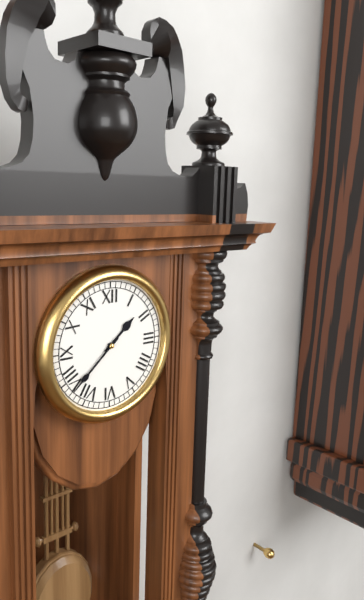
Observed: 1 h 38 min
